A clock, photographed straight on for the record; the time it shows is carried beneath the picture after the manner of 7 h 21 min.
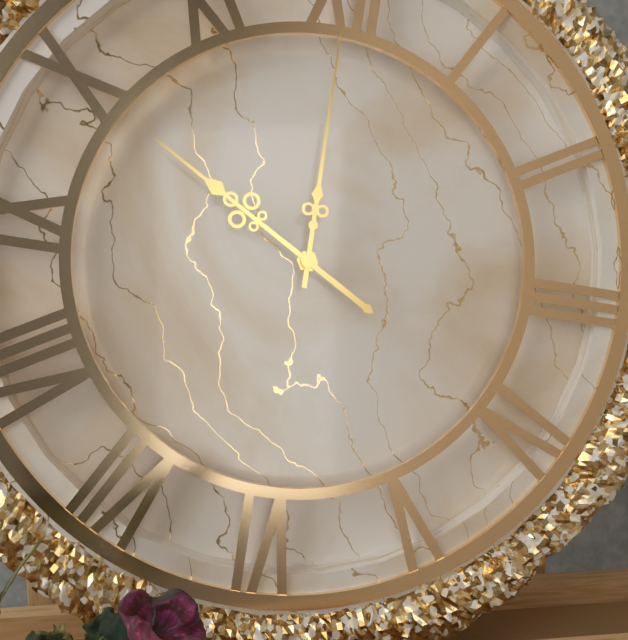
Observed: 10 h 00 min
